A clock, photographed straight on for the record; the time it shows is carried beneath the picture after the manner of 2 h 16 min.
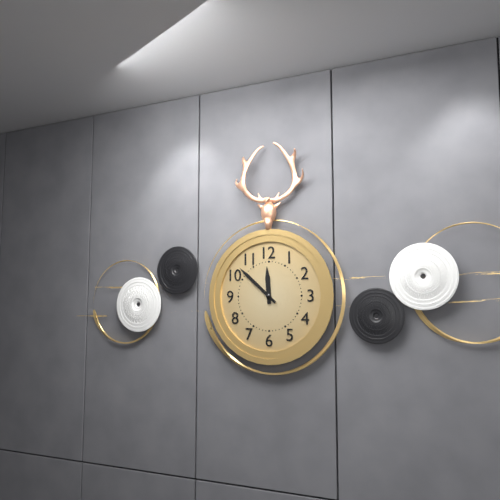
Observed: 11 h 52 min
